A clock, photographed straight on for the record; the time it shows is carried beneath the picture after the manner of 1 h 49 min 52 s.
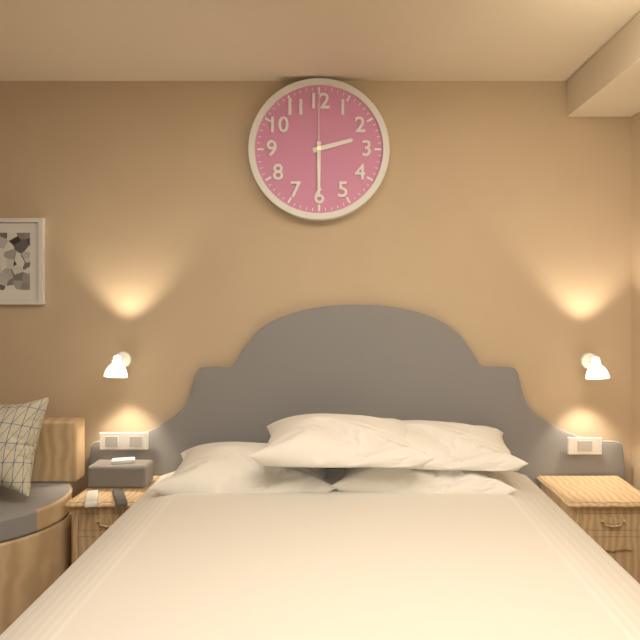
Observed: 2 h 30 min 00 s
